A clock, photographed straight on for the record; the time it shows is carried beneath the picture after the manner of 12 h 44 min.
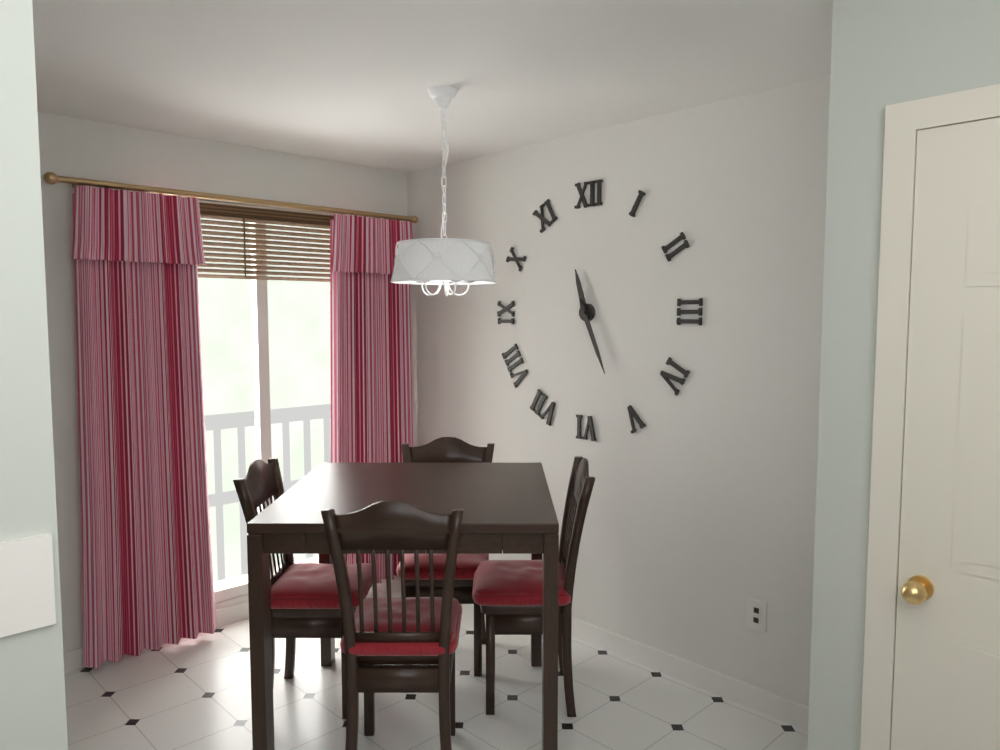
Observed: 11 h 26 min
